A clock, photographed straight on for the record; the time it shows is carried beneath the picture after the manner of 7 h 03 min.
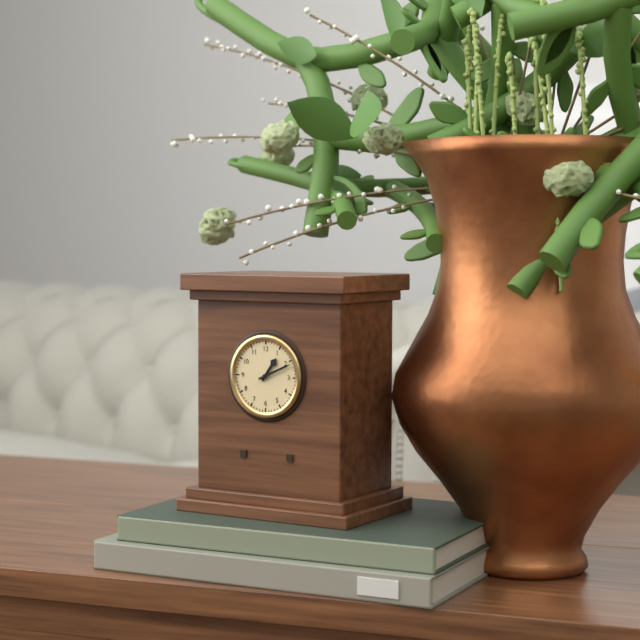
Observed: 1 h 11 min
